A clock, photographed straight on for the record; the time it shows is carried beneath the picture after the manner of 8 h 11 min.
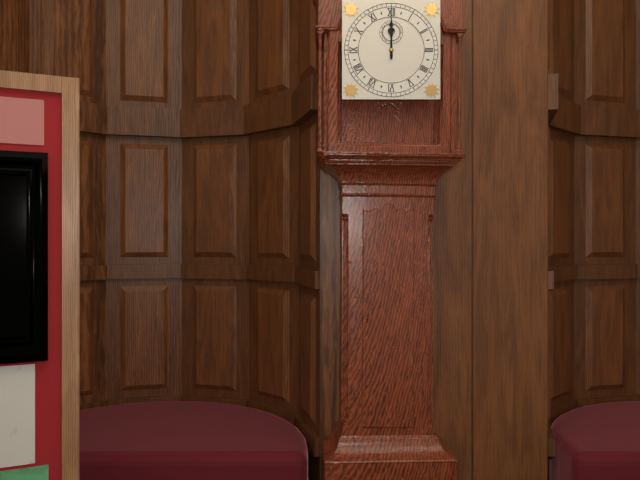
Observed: 12 h 00 min
